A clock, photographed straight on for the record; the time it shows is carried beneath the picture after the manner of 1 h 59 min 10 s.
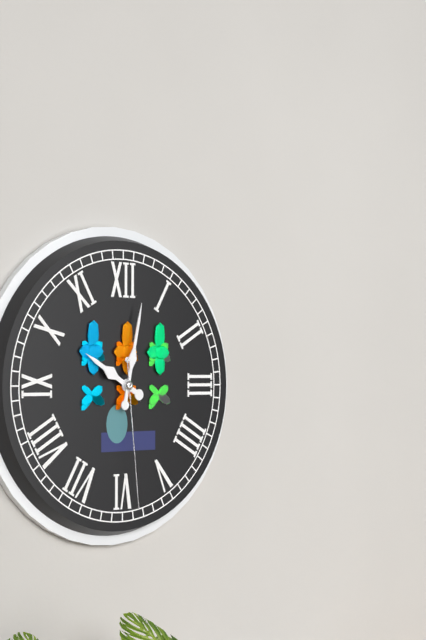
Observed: 10 h 02 min 29 s
